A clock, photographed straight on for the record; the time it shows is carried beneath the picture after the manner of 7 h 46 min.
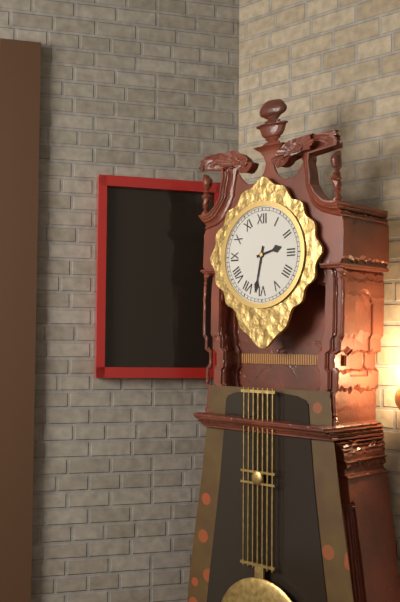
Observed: 2 h 32 min
